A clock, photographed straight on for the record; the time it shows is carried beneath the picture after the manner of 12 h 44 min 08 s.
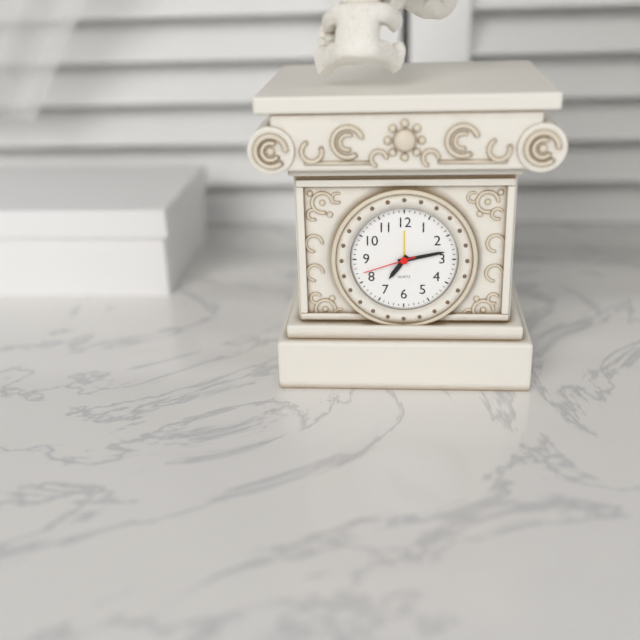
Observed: 7 h 13 min 42 s
